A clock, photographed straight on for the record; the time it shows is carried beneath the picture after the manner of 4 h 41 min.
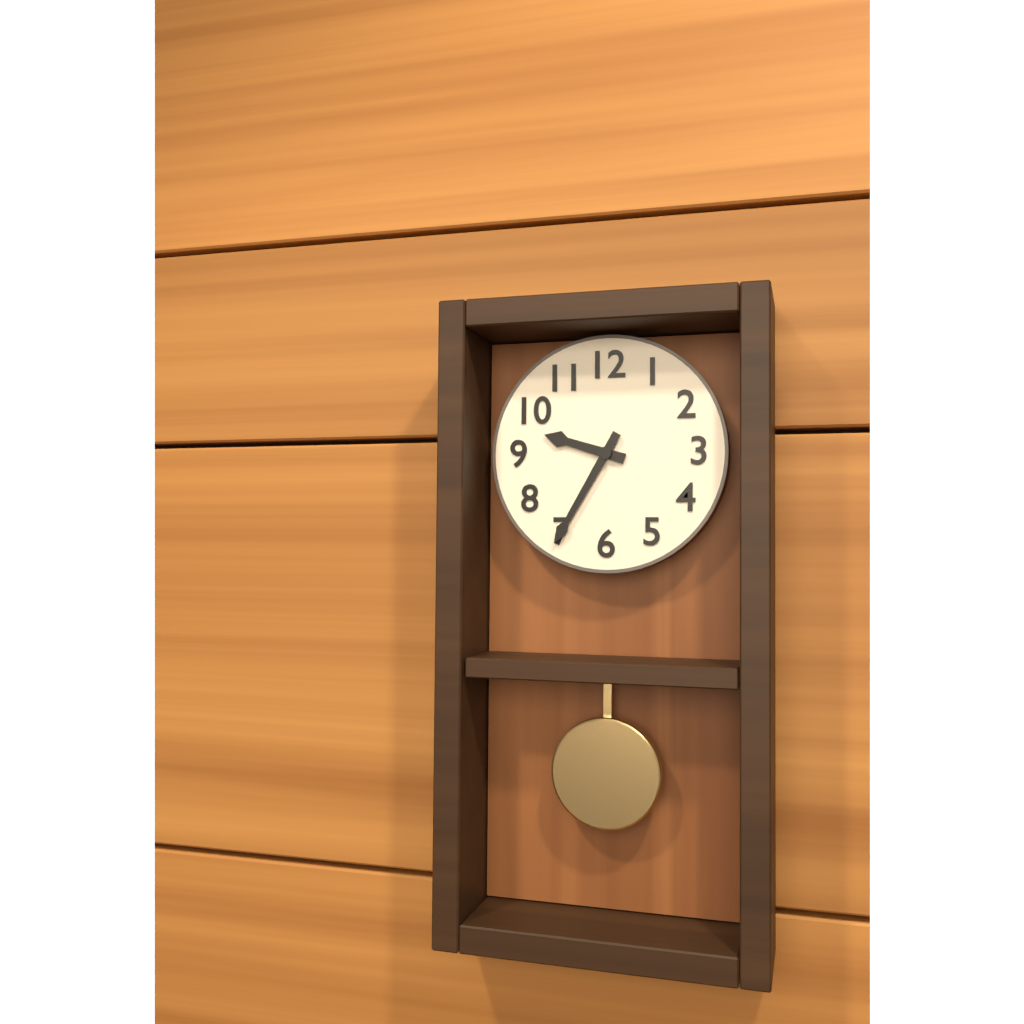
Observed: 9 h 35 min
